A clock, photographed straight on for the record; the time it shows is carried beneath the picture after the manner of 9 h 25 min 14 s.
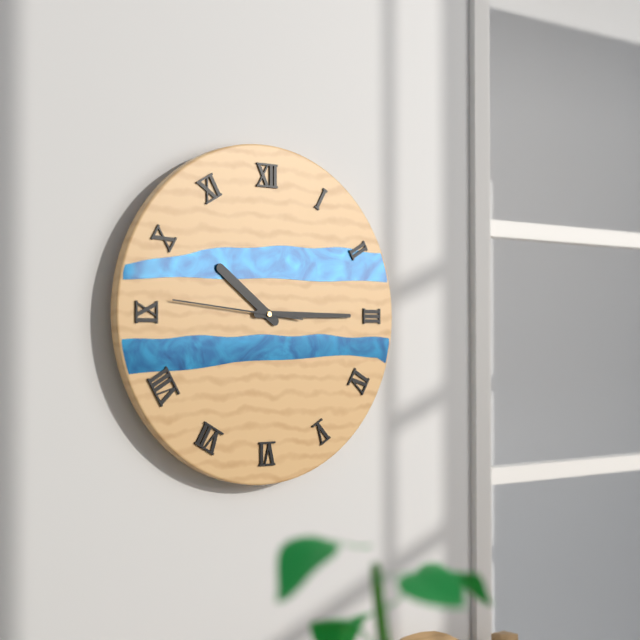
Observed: 10 h 15 min 46 s
